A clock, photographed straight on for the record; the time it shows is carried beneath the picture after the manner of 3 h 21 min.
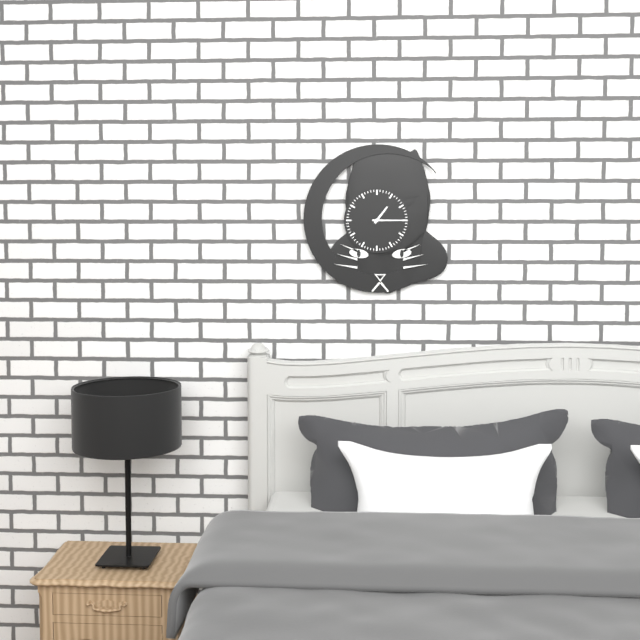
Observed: 1 h 15 min
